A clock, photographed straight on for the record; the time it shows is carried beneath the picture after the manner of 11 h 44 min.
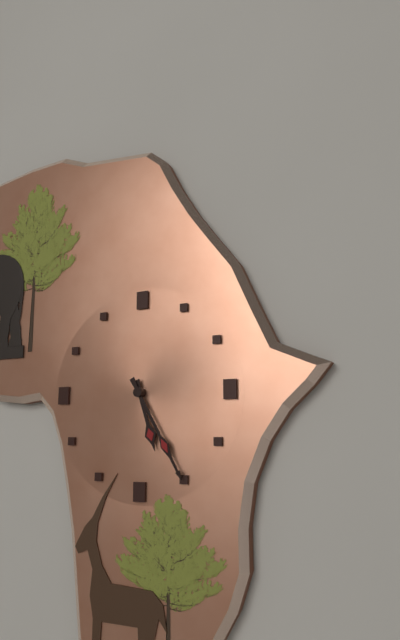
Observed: 5 h 25 min
